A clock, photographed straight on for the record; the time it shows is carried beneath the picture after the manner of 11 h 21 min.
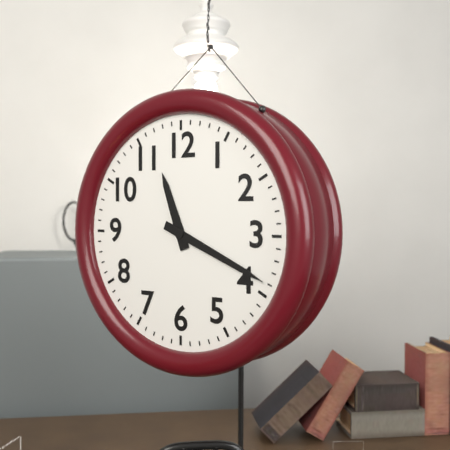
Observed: 11 h 19 min
